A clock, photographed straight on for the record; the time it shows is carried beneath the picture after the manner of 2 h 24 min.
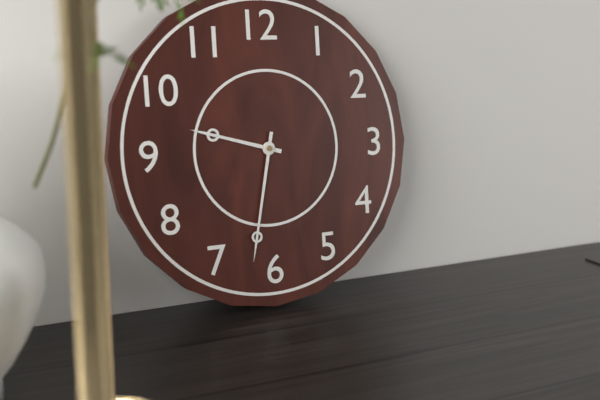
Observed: 9 h 32 min
